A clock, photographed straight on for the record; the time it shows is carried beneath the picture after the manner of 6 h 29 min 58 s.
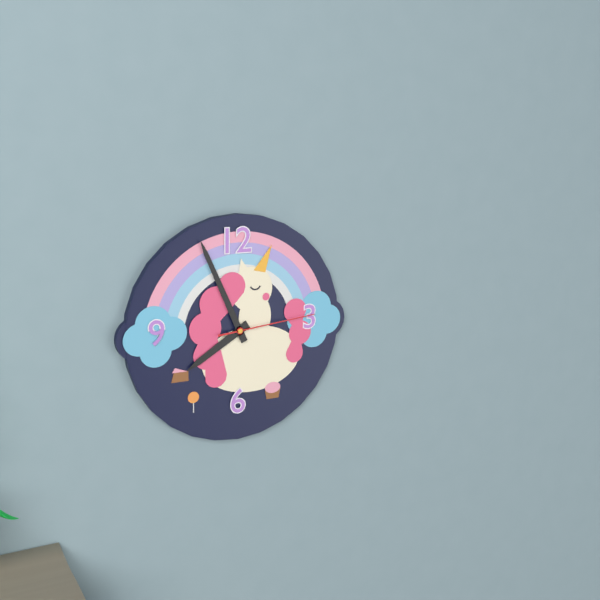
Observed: 7 h 56 min 14 s
